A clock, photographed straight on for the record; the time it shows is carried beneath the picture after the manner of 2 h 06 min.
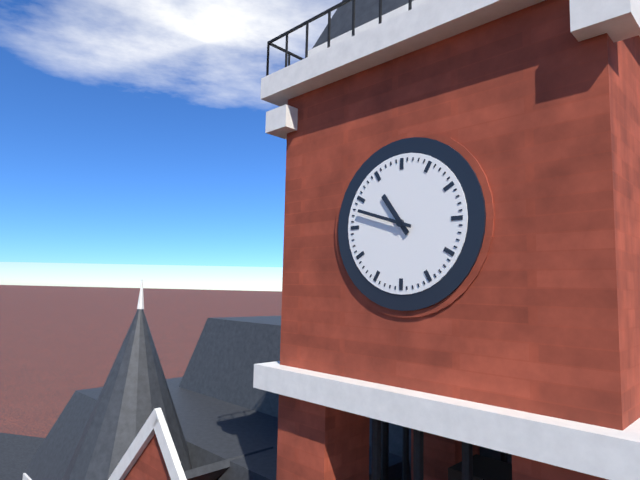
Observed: 10 h 48 min
